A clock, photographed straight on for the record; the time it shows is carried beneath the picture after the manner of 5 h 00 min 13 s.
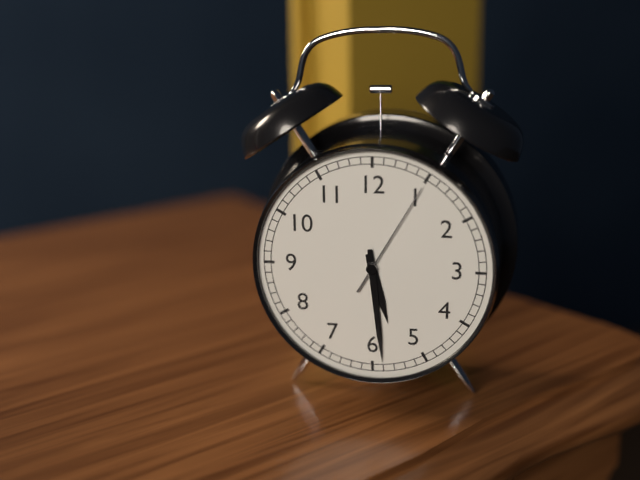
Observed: 5 h 29 min 05 s
